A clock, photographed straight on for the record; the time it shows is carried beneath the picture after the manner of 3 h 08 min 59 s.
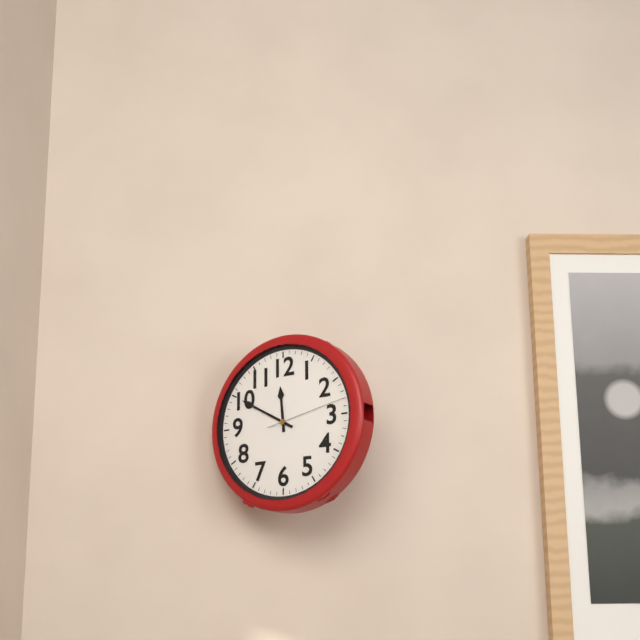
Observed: 11 h 50 min 13 s
